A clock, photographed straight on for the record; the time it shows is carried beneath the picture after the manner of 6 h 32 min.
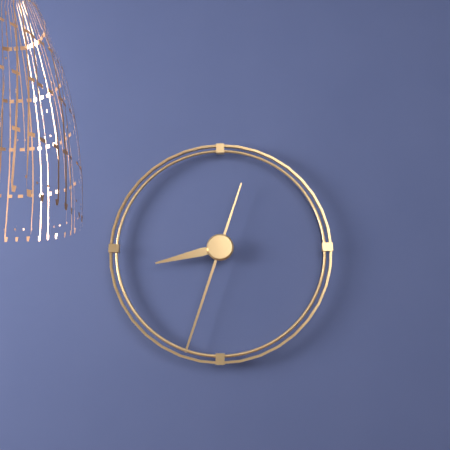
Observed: 8 h 33 min
